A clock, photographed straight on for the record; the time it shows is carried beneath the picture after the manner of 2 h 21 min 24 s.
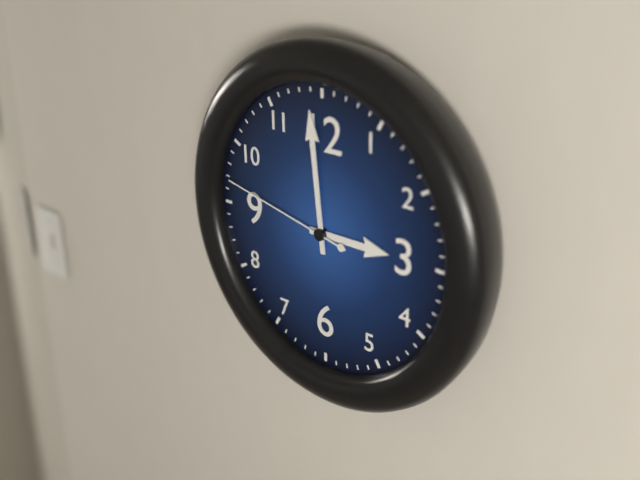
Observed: 2 h 59 min 47 s
